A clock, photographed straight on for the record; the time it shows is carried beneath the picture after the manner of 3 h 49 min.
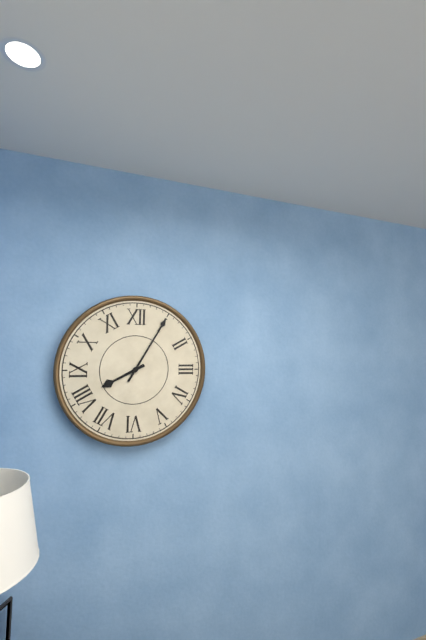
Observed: 8 h 05 min
